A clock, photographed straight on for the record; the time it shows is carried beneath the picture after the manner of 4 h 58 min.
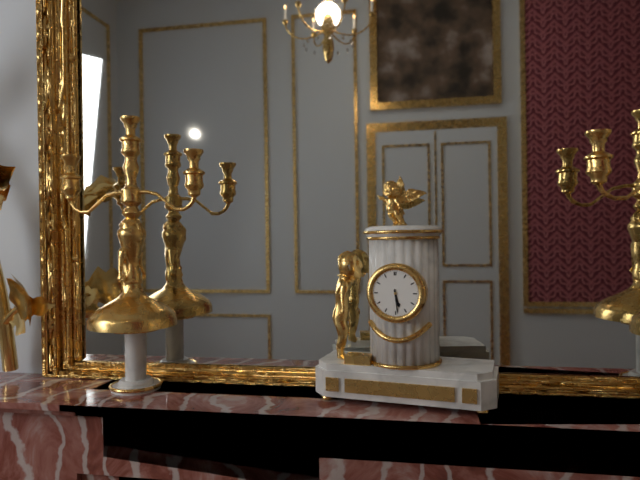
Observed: 5 h 29 min
